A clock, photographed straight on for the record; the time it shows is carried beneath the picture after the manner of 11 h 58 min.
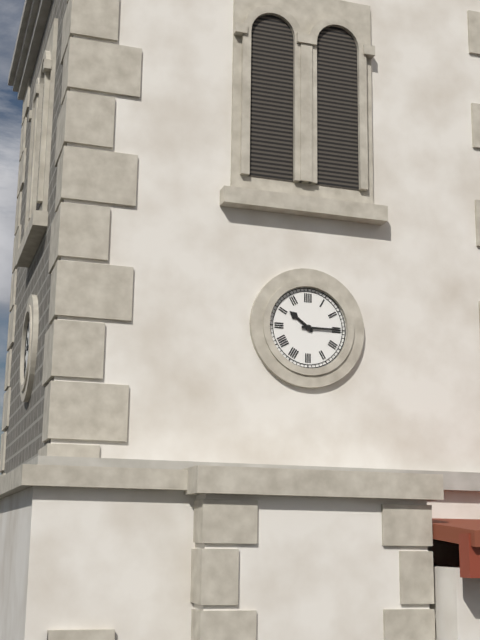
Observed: 10 h 15 min
